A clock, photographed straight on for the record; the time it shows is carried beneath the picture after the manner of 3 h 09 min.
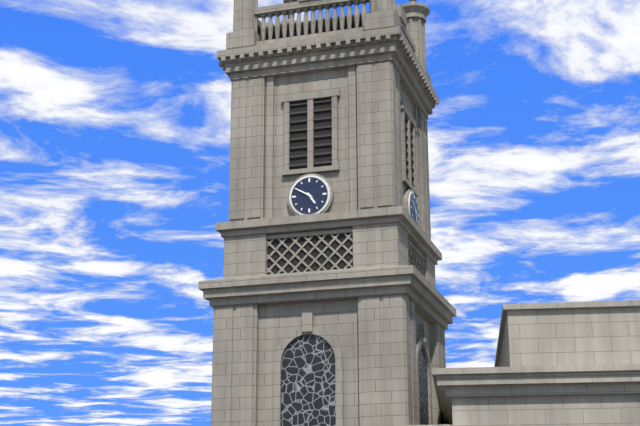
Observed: 4 h 50 min
